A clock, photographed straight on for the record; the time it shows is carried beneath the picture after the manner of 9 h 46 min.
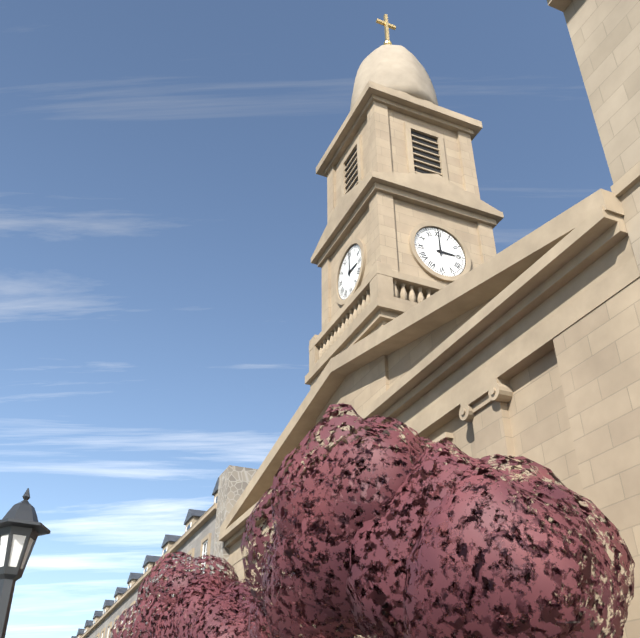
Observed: 3 h 00 min
